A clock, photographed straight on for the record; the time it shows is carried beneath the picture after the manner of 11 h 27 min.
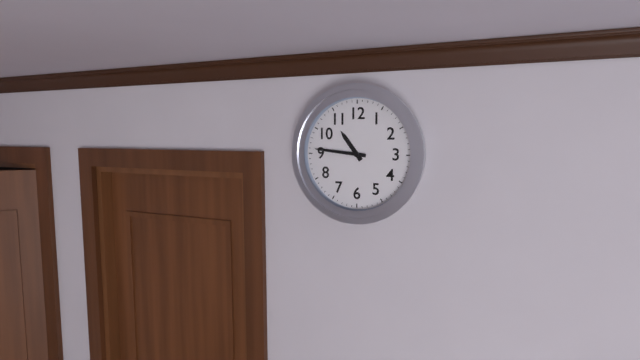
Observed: 10 h 46 min
